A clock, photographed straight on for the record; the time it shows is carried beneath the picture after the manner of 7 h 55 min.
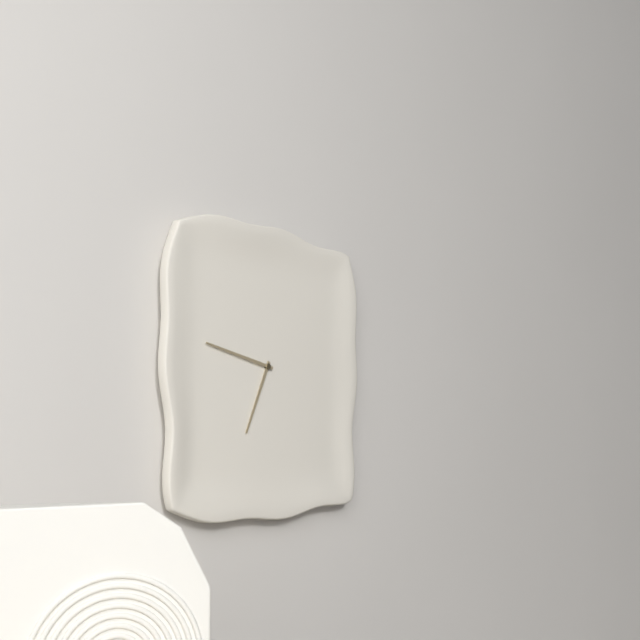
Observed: 6 h 47 min
